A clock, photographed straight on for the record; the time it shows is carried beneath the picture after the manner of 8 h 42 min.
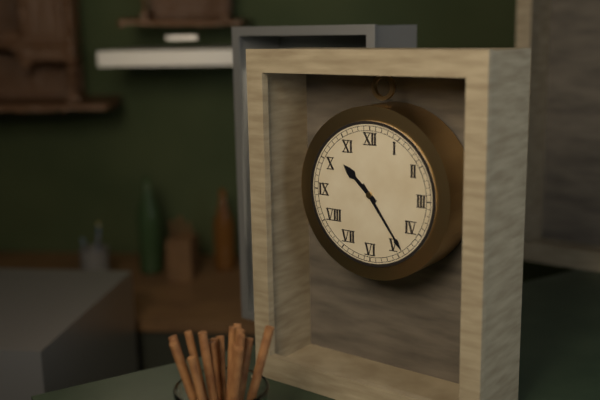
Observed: 10 h 24 min
